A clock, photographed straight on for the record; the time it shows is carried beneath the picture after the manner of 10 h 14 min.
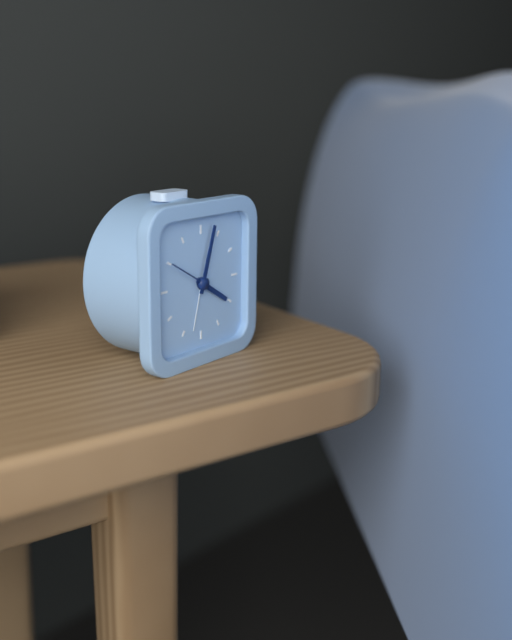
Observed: 4 h 03 min
